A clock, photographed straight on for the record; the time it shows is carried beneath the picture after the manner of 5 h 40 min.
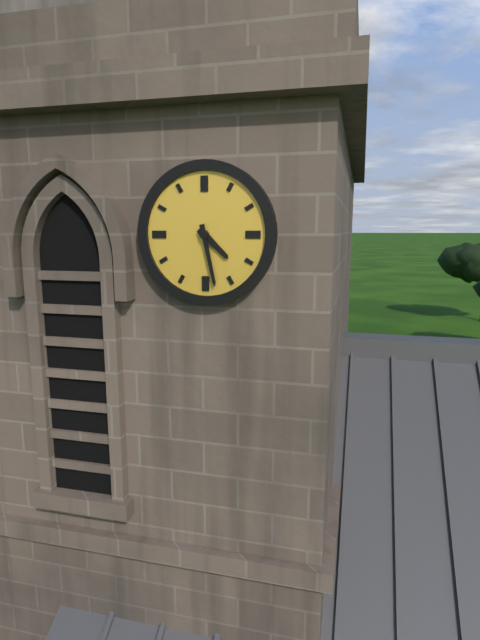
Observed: 4 h 28 min
